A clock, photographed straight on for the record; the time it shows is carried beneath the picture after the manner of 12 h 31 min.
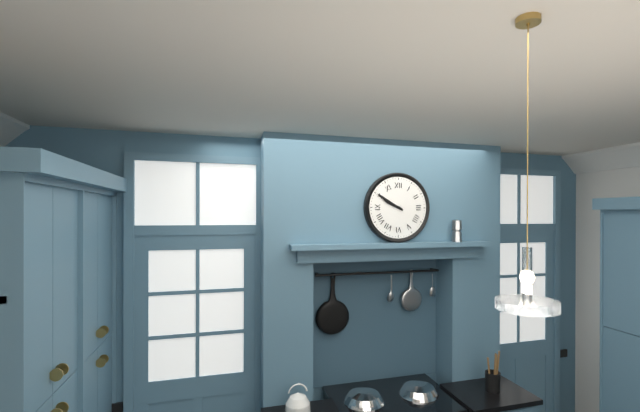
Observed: 9 h 50 min
